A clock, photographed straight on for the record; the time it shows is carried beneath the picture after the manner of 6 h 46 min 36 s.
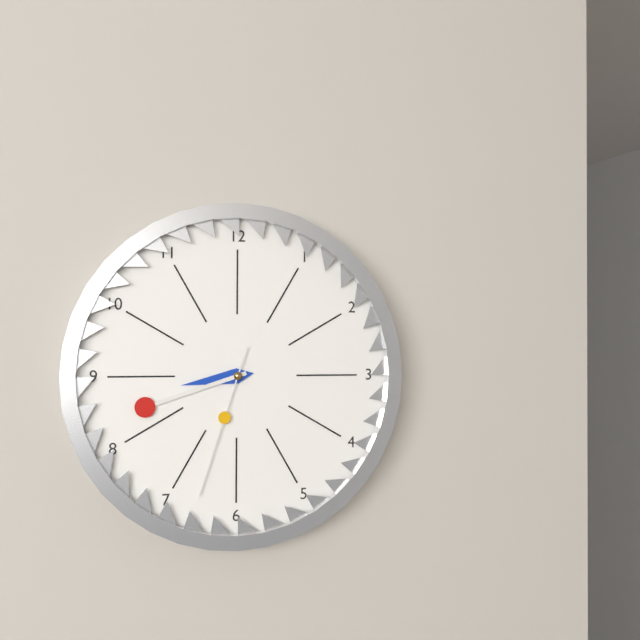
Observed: 8 h 42 min 33 s
